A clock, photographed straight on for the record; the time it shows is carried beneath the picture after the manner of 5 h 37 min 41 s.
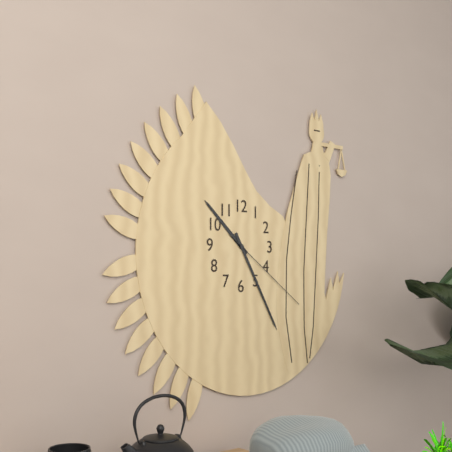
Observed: 10 h 25 min 21 s
